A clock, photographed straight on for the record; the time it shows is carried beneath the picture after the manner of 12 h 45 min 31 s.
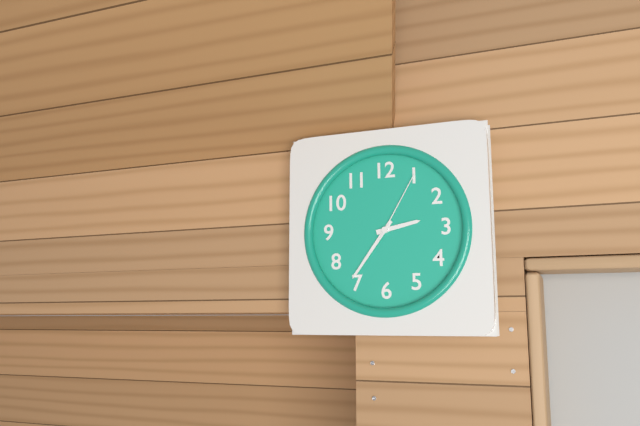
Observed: 2 h 36 min 05 s
